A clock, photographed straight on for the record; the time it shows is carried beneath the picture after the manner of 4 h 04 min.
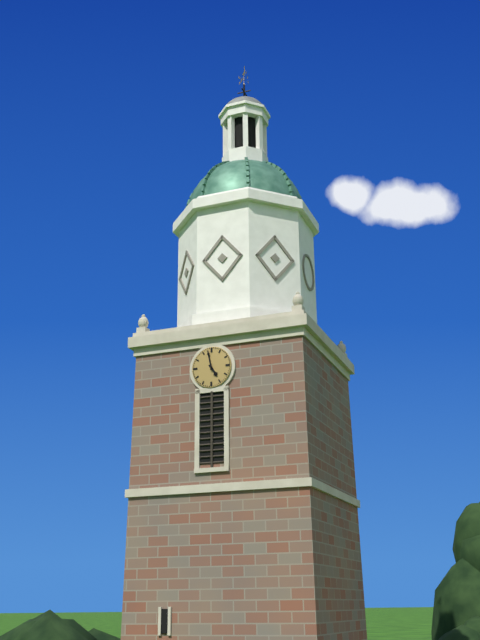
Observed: 4 h 58 min
